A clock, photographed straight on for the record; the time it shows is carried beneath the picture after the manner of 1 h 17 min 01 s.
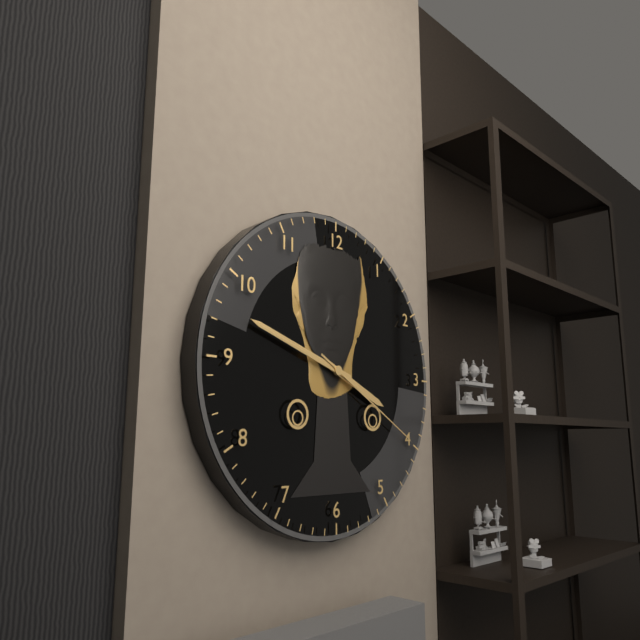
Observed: 3 h 48 min 20 s
